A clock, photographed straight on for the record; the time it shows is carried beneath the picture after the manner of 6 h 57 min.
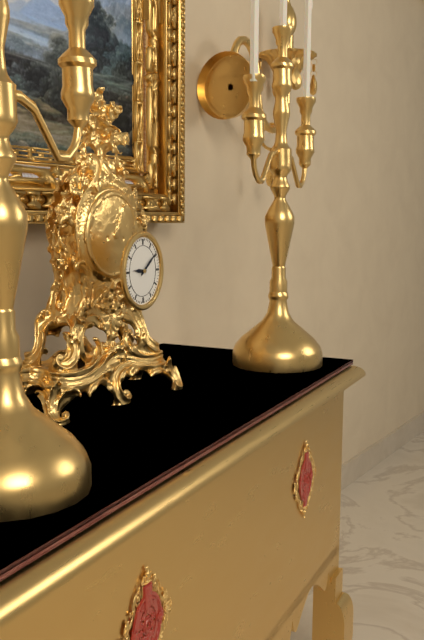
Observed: 9 h 09 min
